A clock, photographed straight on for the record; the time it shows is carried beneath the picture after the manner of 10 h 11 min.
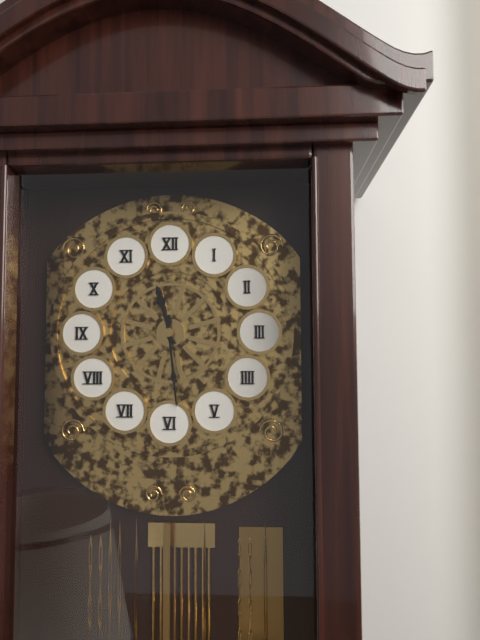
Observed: 11 h 29 min
